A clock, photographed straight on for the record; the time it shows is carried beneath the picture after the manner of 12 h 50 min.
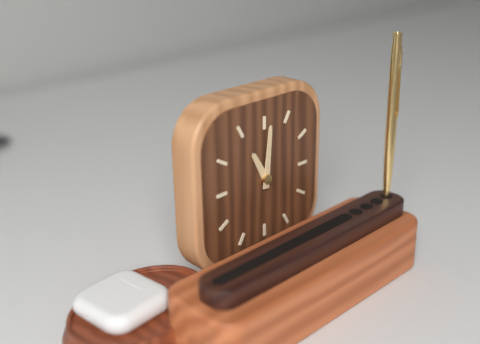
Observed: 11 h 01 min
